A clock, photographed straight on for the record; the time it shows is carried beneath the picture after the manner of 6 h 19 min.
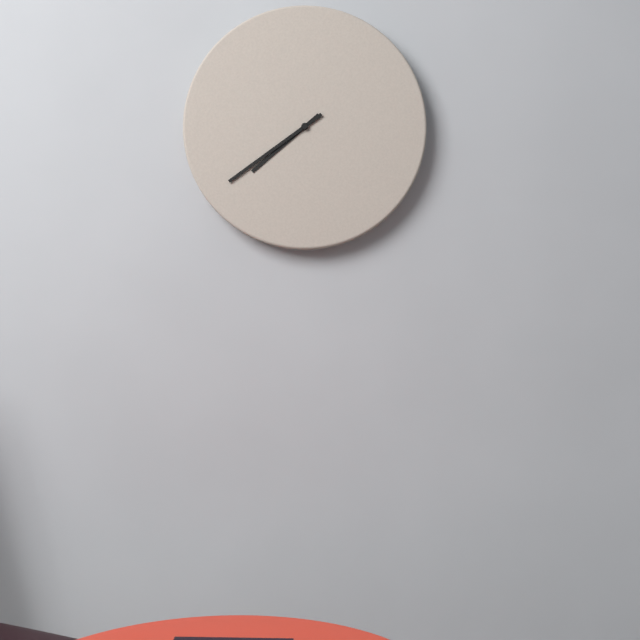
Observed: 7 h 39 min
